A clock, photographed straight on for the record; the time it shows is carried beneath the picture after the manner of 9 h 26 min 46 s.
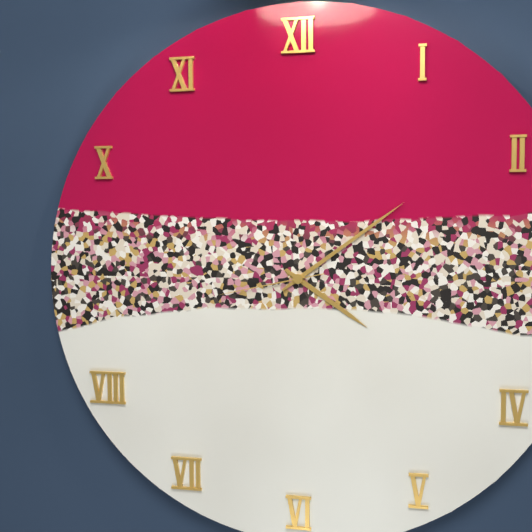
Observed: 4 h 09 min 43 s
